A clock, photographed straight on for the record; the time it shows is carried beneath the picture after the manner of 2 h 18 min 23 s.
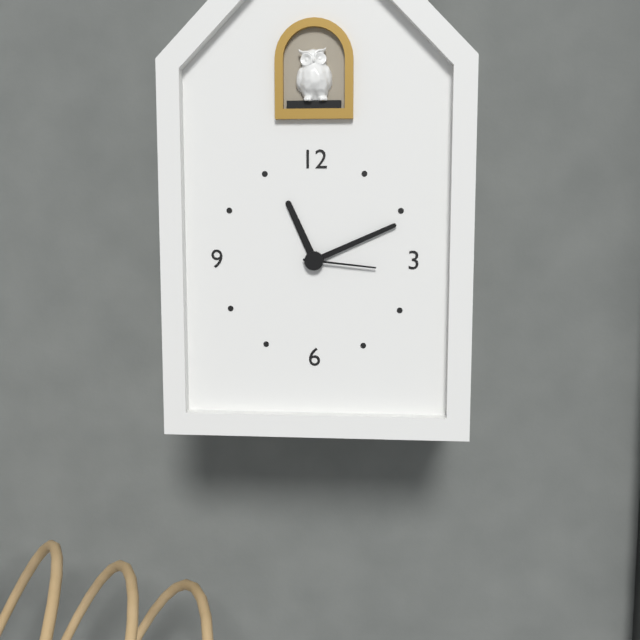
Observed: 11 h 11 min 16 s
